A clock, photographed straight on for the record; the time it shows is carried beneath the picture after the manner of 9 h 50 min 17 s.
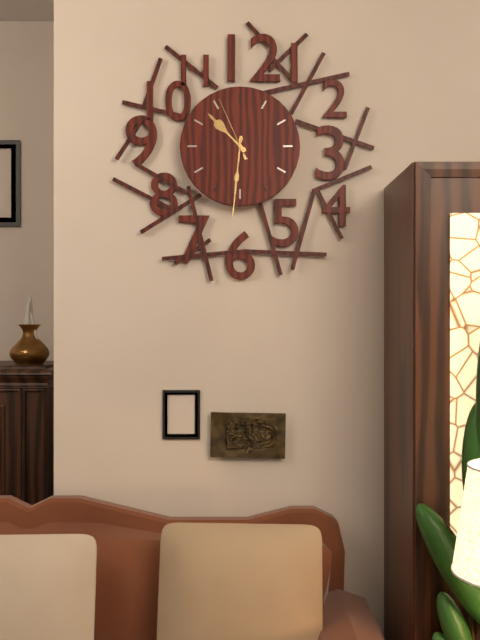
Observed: 10 h 31 min 56 s
